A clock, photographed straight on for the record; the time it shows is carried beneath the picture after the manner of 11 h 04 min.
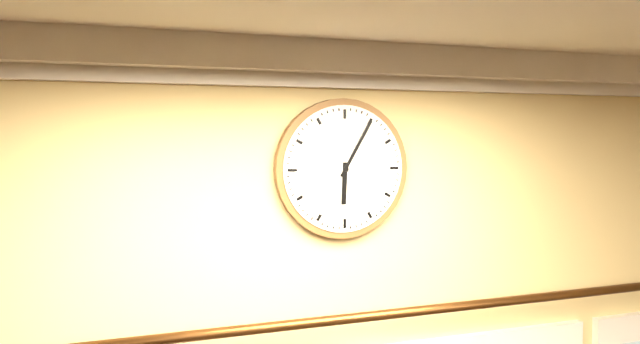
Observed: 6 h 05 min
